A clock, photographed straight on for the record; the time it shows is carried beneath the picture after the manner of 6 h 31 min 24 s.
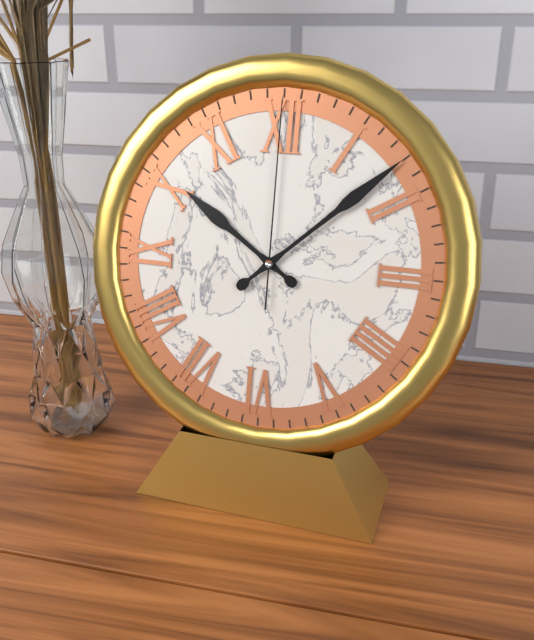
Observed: 10 h 08 min 00 s
